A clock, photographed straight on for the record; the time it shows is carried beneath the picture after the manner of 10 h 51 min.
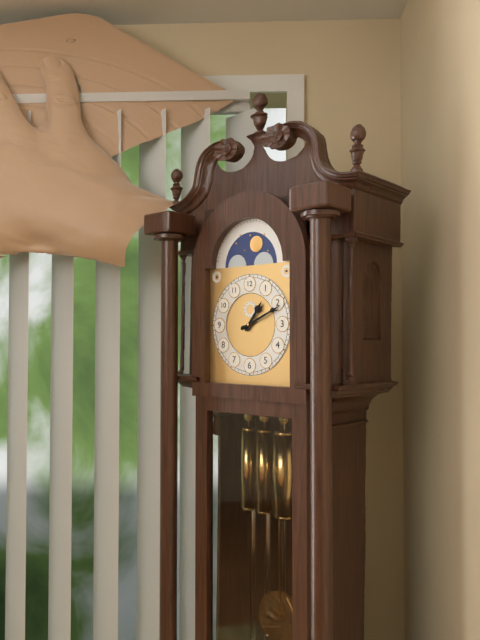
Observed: 1 h 11 min
